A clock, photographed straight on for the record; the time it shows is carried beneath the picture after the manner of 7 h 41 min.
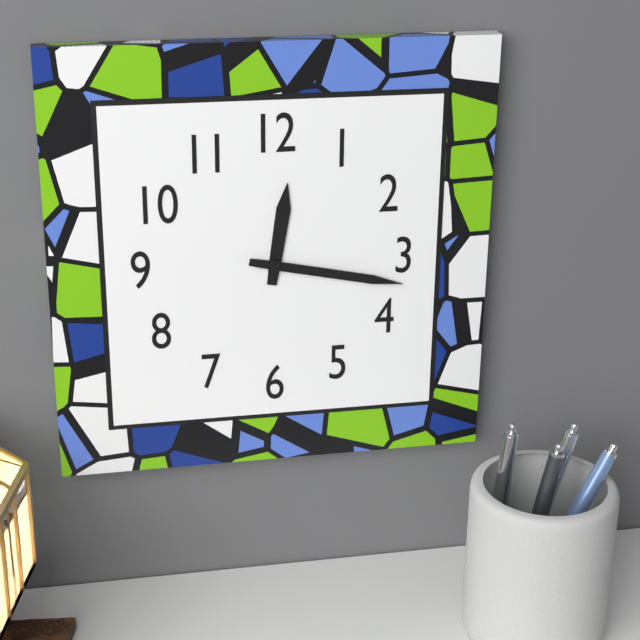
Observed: 12 h 17 min
